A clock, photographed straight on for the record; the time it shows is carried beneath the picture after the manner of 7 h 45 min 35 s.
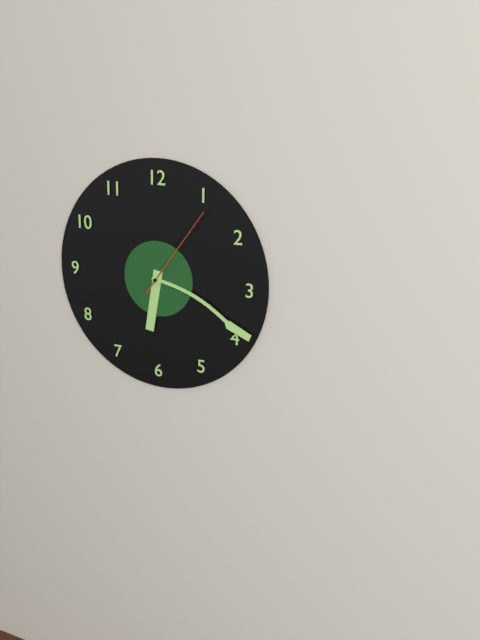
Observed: 6 h 19 min 06 s
